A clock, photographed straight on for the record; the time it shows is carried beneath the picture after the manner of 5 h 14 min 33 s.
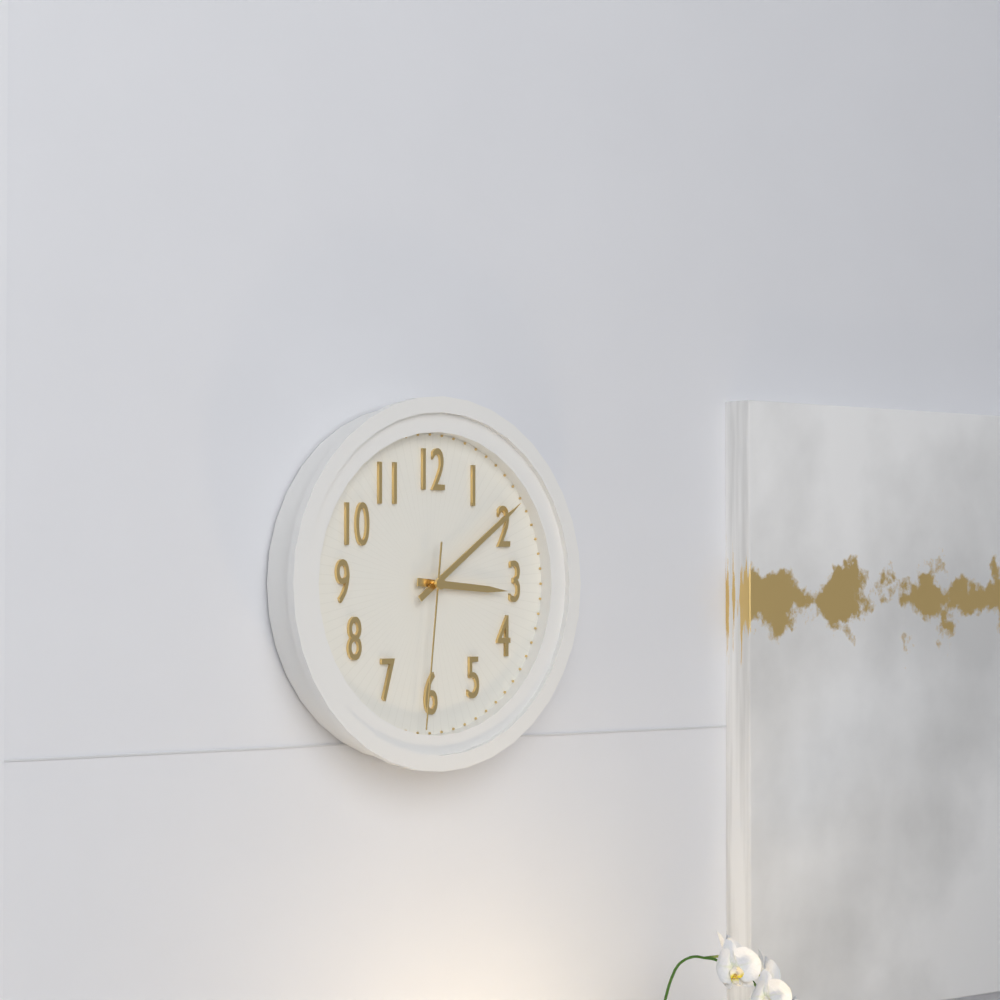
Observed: 3 h 09 min 31 s
